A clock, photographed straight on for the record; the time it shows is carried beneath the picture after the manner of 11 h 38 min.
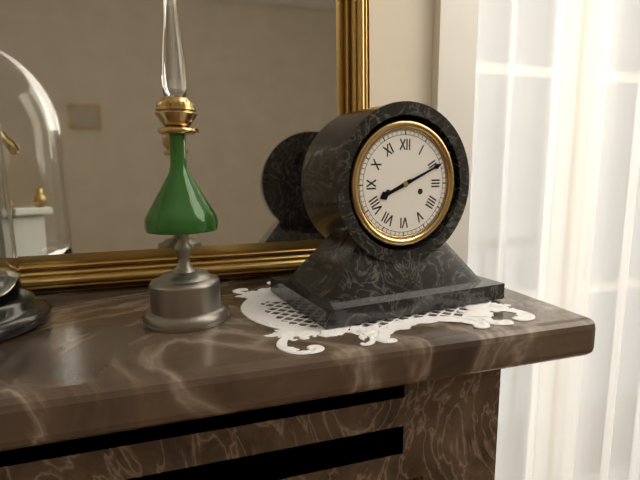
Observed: 8 h 11 min
